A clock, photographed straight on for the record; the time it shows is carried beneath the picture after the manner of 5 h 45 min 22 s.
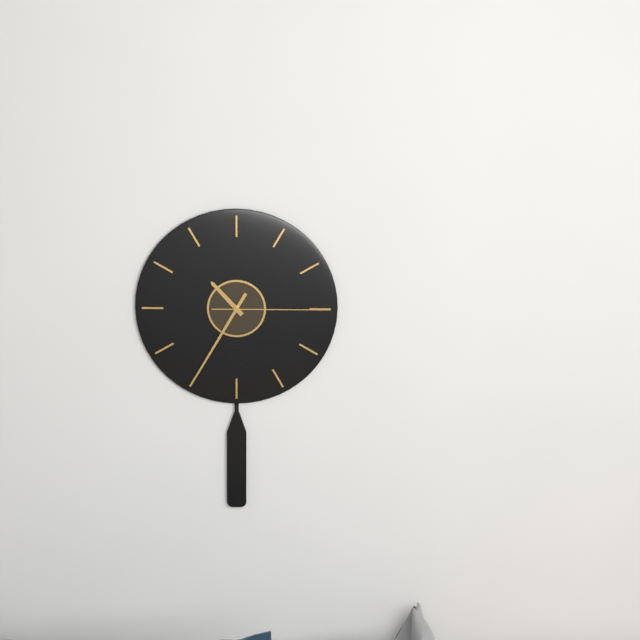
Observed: 10 h 35 min 15 s
